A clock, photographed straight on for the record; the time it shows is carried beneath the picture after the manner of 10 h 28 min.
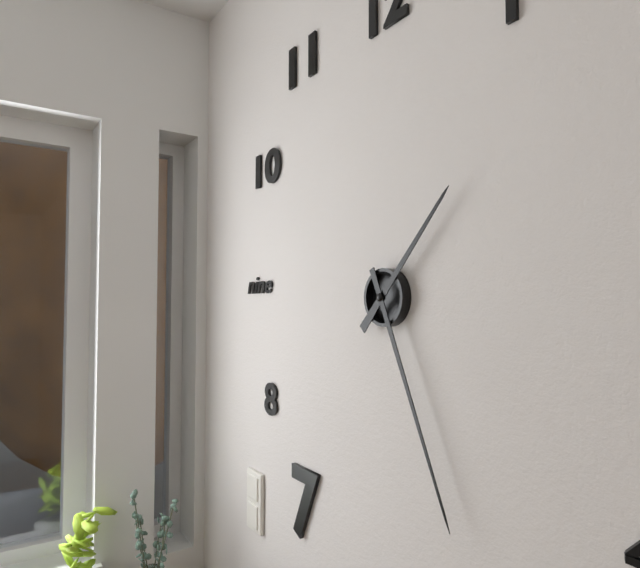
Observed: 1 h 26 min
